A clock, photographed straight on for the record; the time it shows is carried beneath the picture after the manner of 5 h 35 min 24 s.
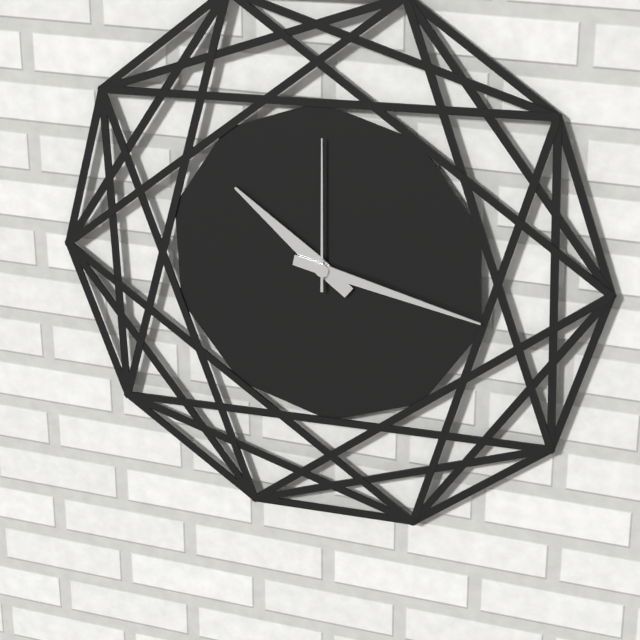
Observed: 10 h 17 min 00 s
